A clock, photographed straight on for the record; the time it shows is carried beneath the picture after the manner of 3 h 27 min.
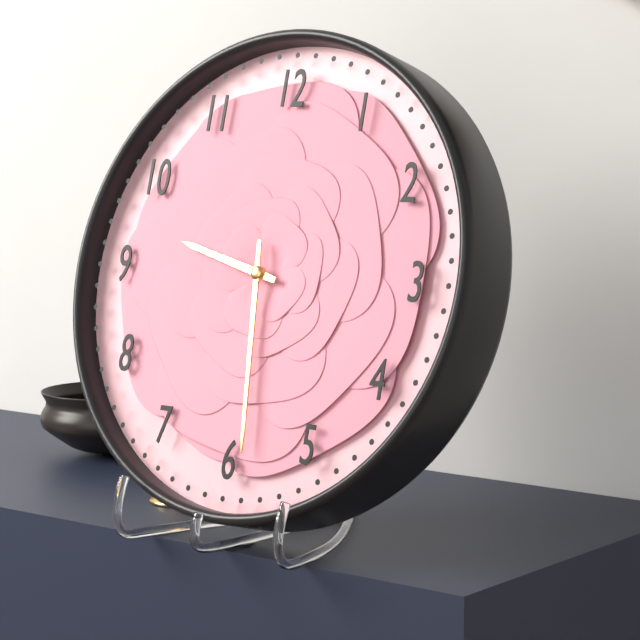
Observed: 9 h 29 min
